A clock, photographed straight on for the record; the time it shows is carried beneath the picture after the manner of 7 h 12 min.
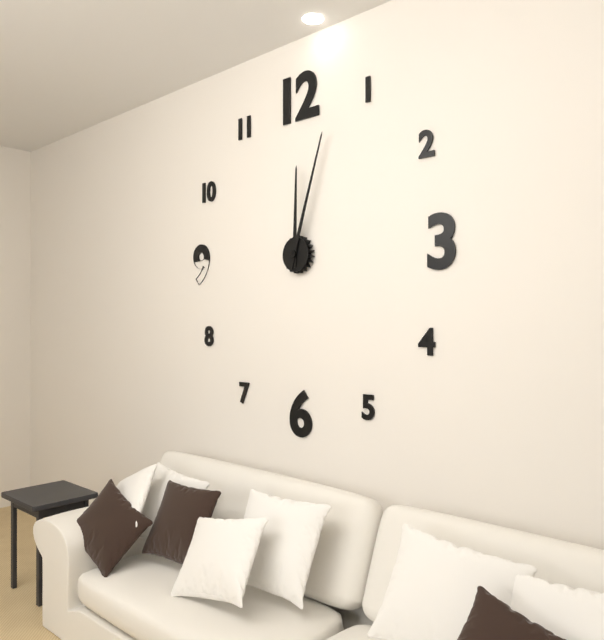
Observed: 12 h 03 min
